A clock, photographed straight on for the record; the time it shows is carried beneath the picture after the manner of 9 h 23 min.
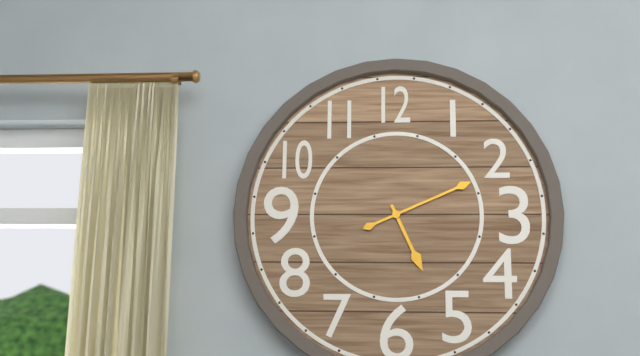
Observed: 5 h 11 min
